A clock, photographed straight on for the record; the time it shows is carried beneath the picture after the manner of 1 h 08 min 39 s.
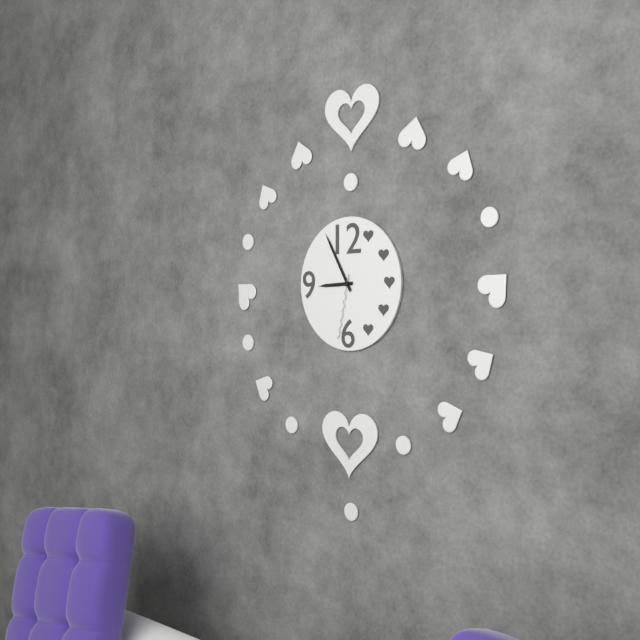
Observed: 8 h 55 min 32 s
